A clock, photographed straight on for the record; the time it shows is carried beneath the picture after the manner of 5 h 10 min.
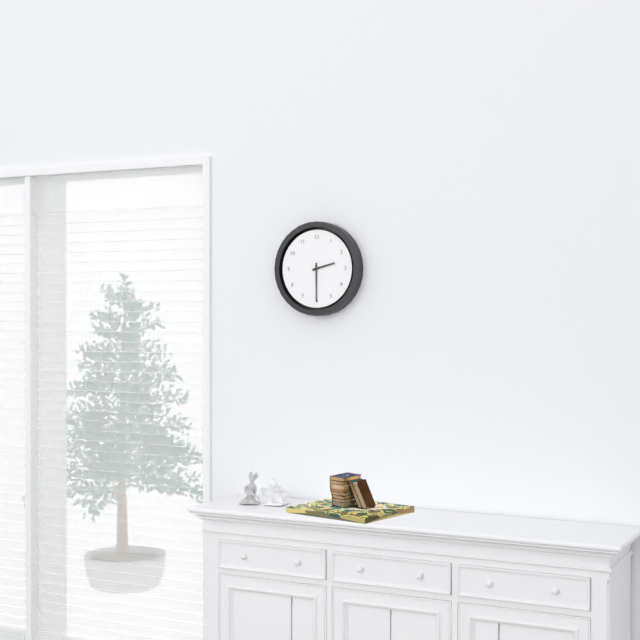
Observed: 2 h 30 min
